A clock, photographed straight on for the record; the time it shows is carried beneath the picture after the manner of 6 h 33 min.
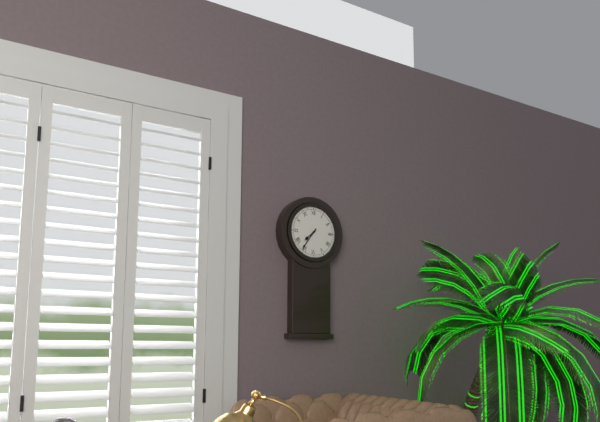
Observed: 7 h 36 min
